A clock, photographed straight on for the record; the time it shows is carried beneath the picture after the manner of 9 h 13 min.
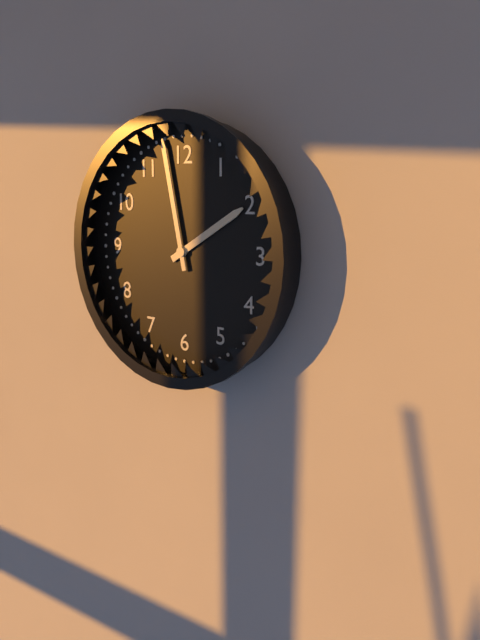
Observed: 1 h 58 min
